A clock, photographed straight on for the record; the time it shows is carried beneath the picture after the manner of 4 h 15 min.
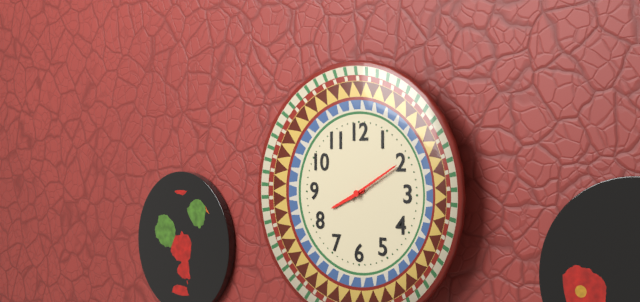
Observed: 8 h 10 min
